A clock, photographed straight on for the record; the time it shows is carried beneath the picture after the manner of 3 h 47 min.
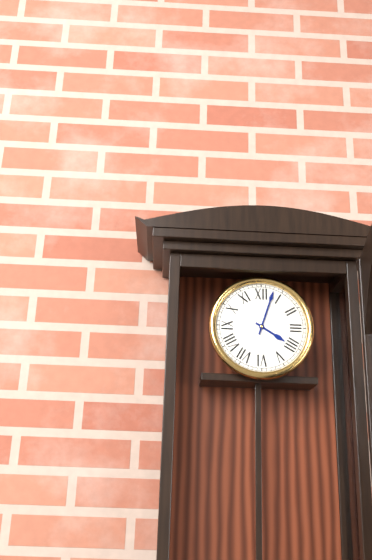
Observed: 4 h 03 min
